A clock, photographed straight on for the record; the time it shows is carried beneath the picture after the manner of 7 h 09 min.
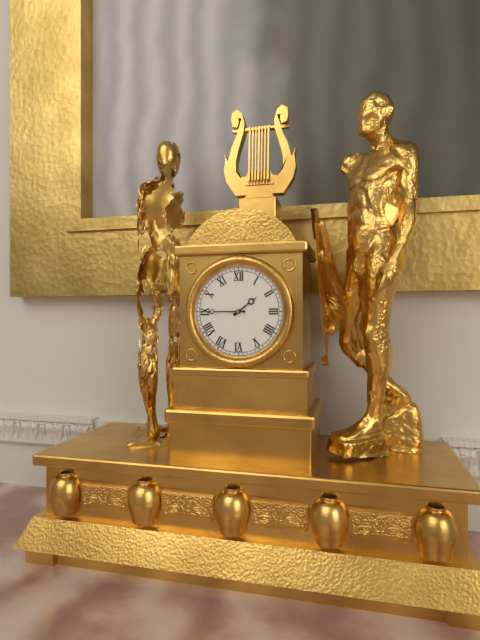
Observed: 1 h 45 min
